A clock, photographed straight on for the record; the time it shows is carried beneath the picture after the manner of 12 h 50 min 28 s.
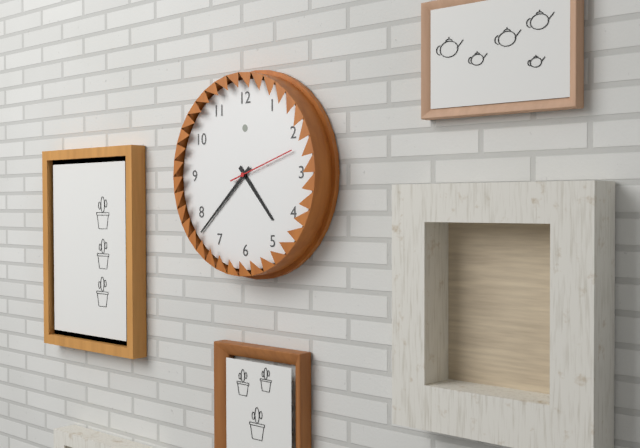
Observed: 4 h 38 min 12 s
